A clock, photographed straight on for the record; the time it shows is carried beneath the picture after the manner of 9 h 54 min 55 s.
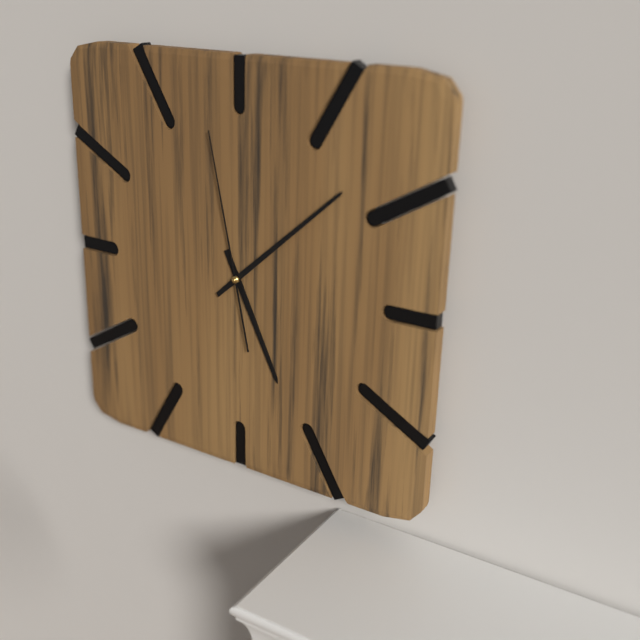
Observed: 5 h 08 min 58 s
